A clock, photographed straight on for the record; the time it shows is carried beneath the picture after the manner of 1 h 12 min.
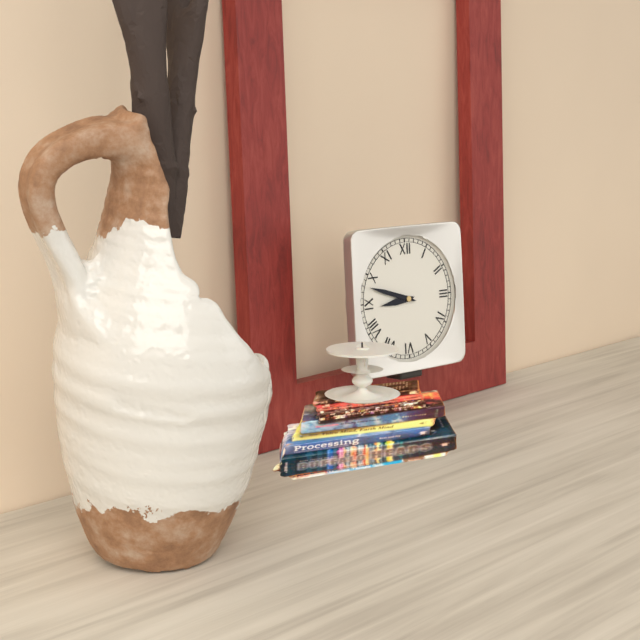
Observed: 8 h 48 min
